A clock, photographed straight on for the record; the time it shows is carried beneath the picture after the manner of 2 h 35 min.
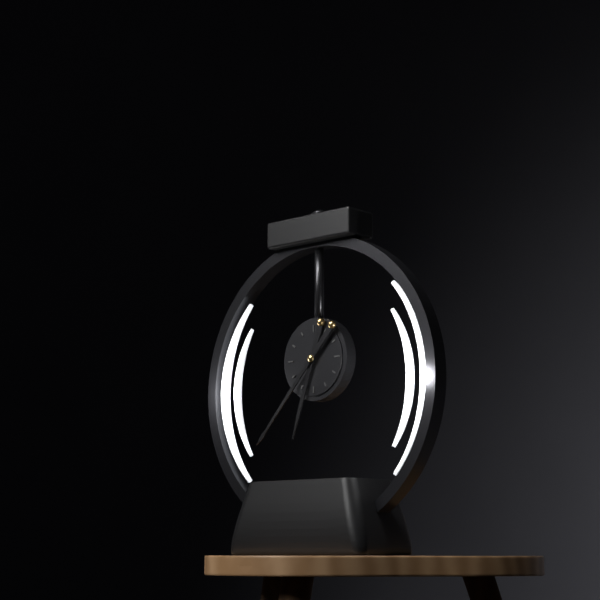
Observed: 6 h 37 min
